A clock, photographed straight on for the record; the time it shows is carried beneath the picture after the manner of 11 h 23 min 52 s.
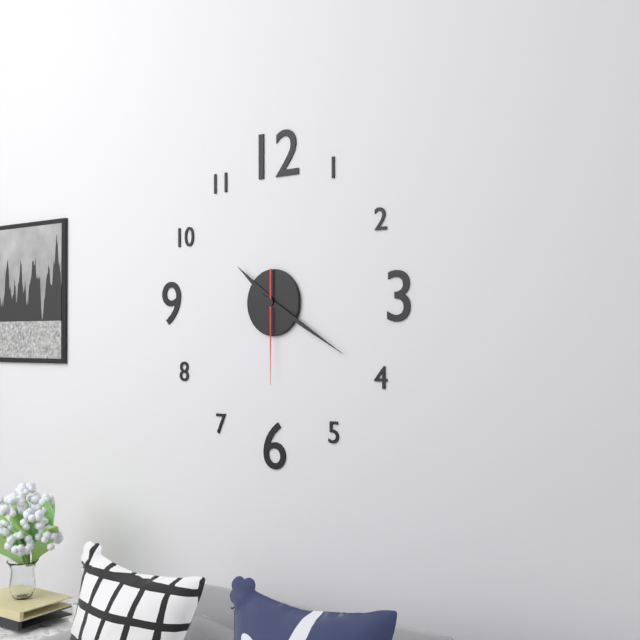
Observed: 10 h 20 min 30 s
